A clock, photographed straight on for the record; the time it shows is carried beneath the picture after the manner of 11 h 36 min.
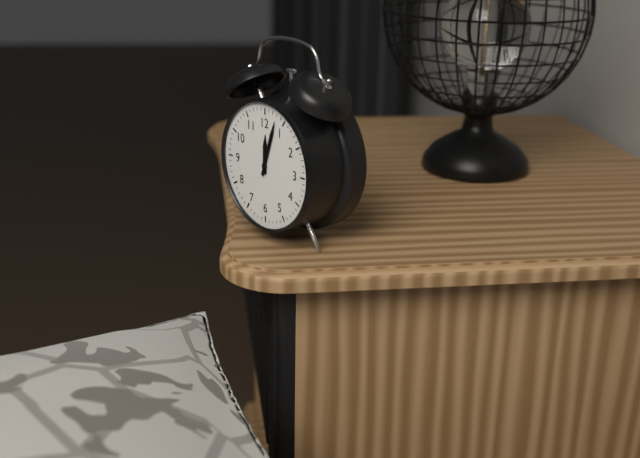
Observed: 12 h 03 min
